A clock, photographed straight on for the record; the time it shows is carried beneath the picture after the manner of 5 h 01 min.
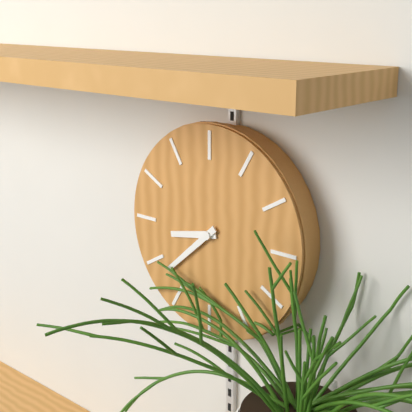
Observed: 8 h 38 min
